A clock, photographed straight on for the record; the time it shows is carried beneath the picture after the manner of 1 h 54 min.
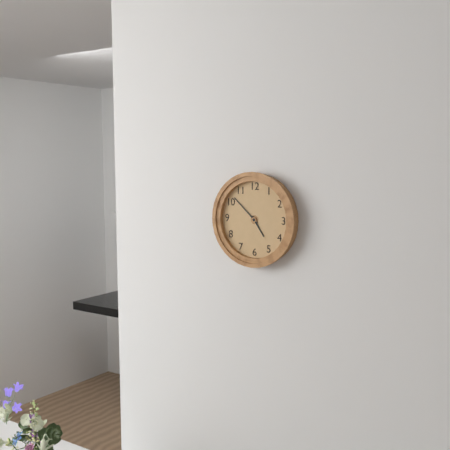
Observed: 4 h 52 min
